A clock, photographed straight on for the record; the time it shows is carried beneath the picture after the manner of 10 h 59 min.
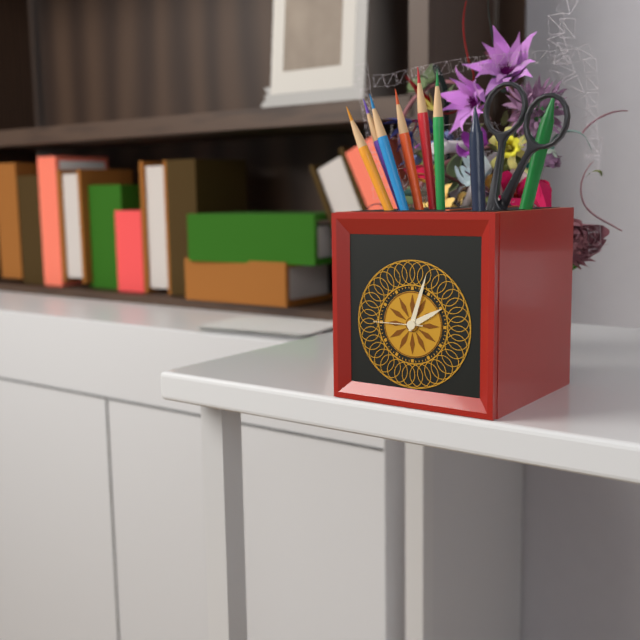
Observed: 2 h 03 min
